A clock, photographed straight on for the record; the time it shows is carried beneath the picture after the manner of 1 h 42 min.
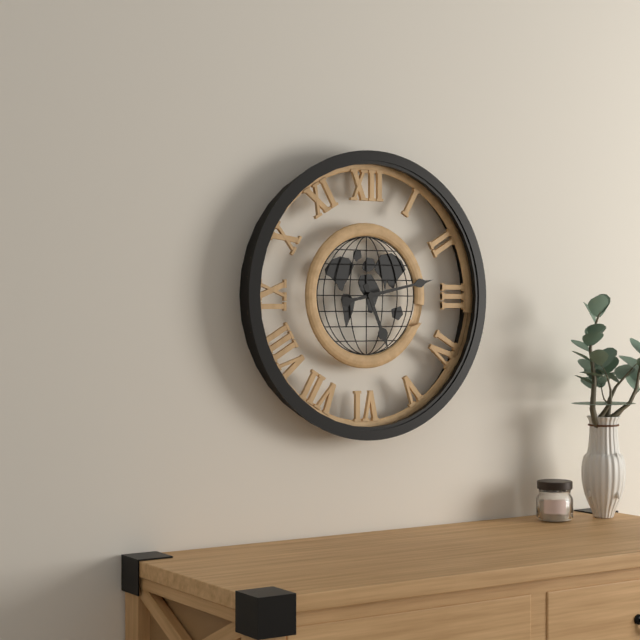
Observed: 5 h 13 min
